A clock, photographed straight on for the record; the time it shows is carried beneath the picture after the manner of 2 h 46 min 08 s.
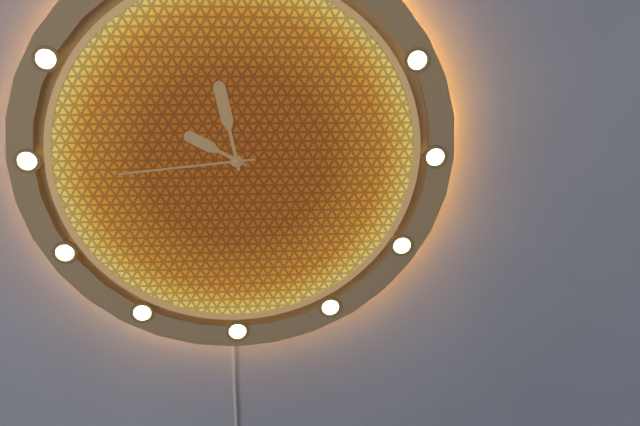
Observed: 9 h 58 min 44 s
